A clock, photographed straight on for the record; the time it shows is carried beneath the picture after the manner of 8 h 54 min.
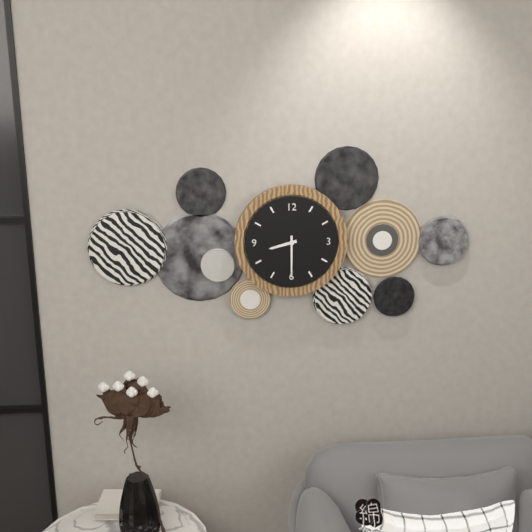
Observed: 8 h 30 min
